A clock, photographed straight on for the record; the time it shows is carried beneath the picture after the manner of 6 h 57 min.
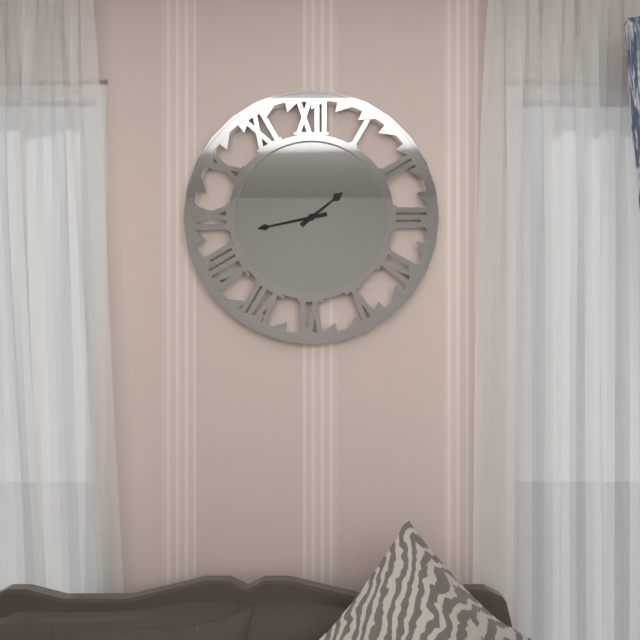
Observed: 1 h 43 min
